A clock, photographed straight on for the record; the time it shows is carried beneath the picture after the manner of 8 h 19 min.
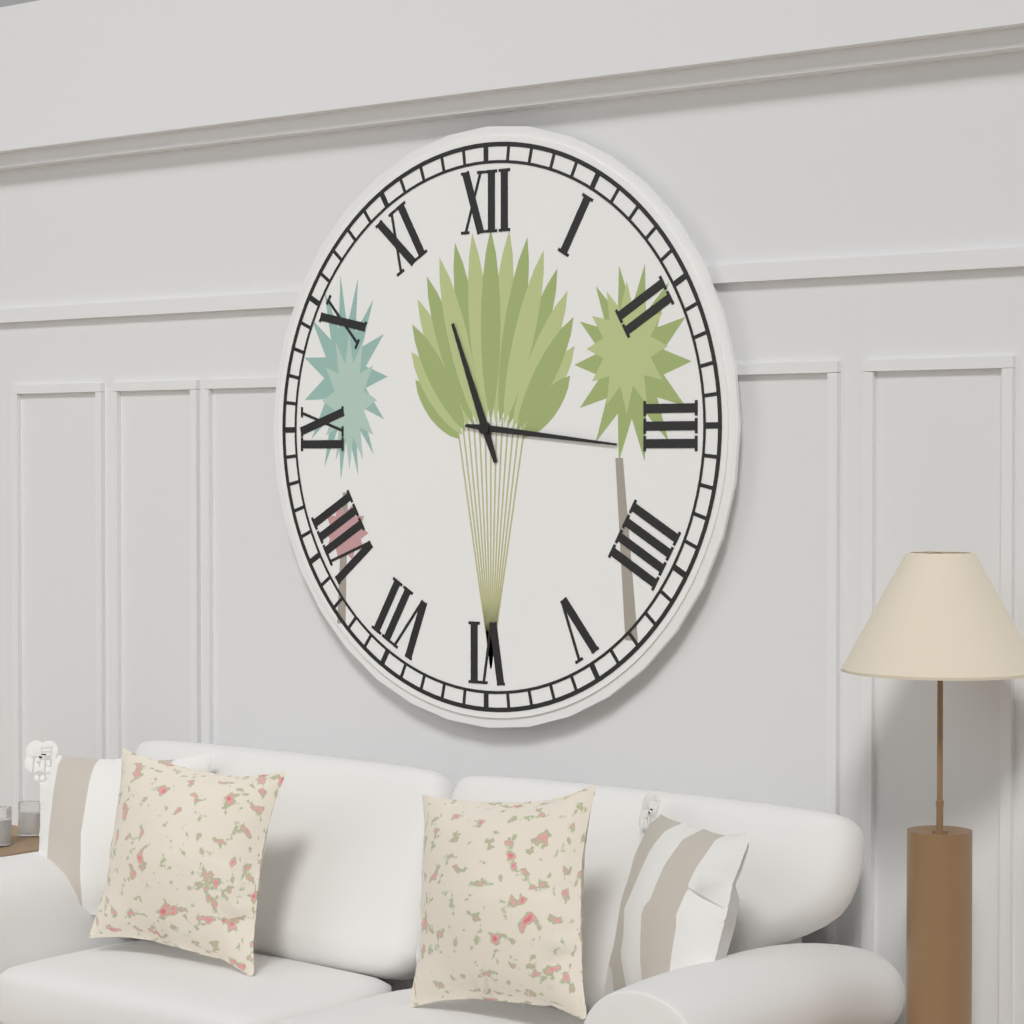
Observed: 11 h 16 min
